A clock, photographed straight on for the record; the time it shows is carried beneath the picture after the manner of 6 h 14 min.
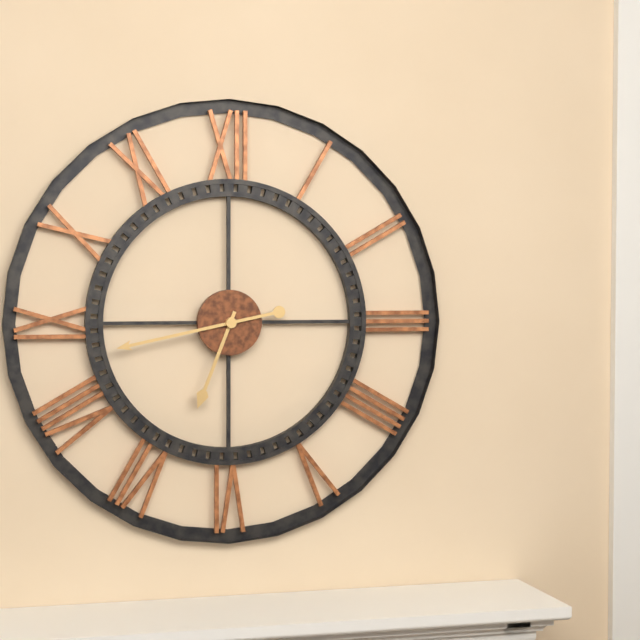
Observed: 6 h 43 min
